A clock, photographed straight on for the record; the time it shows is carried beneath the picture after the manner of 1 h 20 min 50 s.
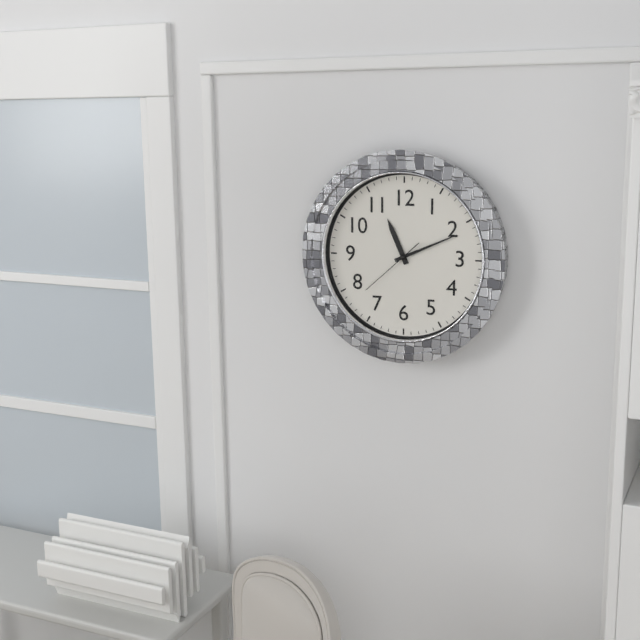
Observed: 11 h 11 min 38 s
